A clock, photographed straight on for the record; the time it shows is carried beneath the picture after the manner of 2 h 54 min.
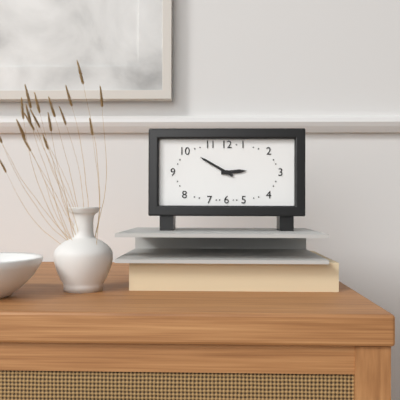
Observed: 2 h 50 min
